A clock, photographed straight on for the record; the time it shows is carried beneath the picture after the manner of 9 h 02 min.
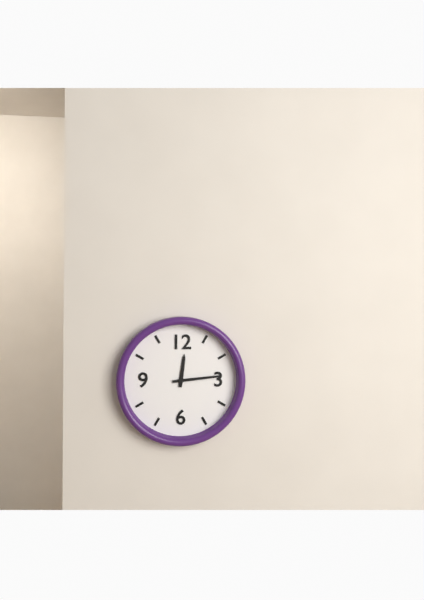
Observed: 12 h 14 min
